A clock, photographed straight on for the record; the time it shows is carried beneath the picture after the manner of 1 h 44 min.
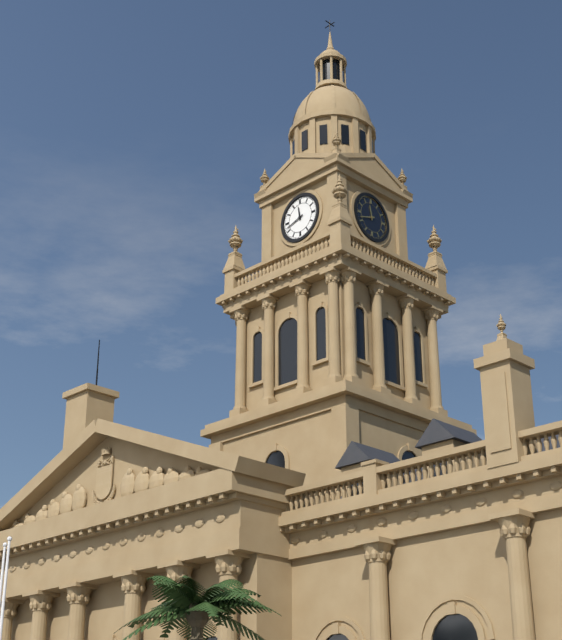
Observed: 11 h 42 min
